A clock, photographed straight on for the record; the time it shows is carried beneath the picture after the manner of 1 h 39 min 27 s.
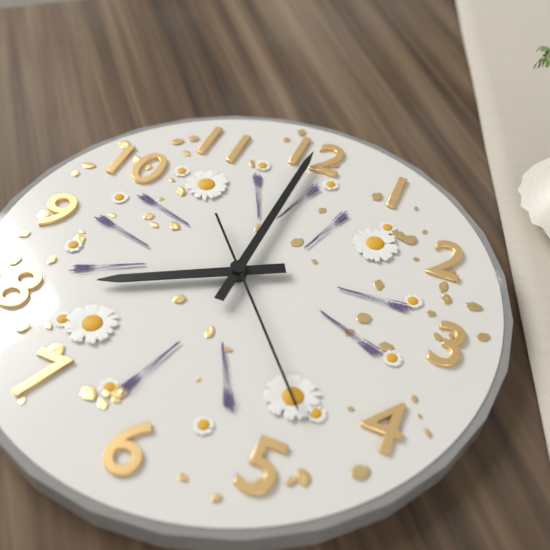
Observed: 8 h 00 min 23 s
